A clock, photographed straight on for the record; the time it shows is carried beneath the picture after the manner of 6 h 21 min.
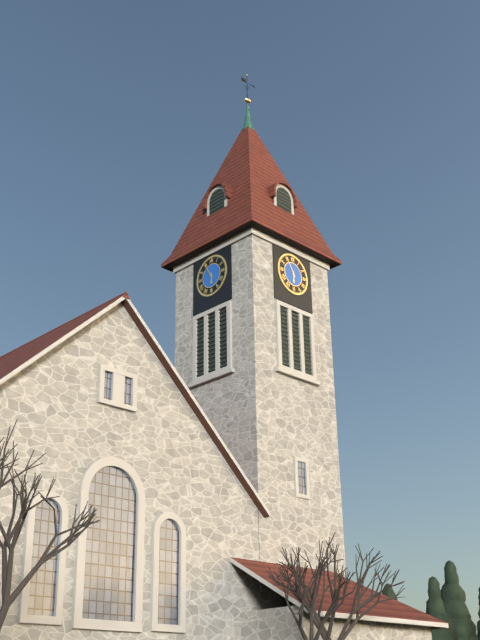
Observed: 5 h 55 min
